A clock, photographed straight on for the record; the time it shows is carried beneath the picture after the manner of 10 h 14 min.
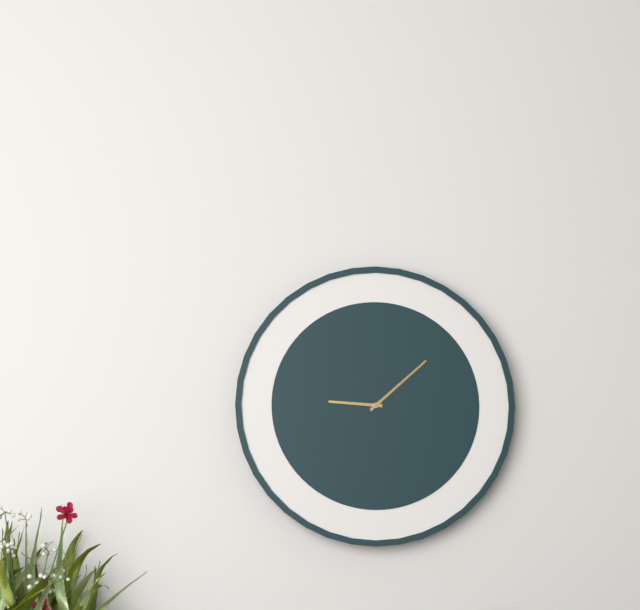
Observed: 9 h 08 min
